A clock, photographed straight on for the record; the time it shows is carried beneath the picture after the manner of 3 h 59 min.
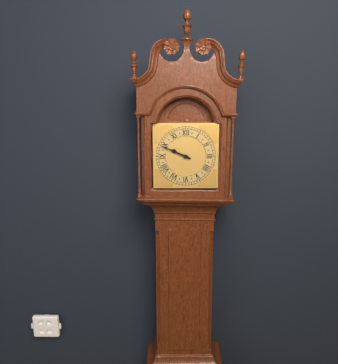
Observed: 9 h 49 min
